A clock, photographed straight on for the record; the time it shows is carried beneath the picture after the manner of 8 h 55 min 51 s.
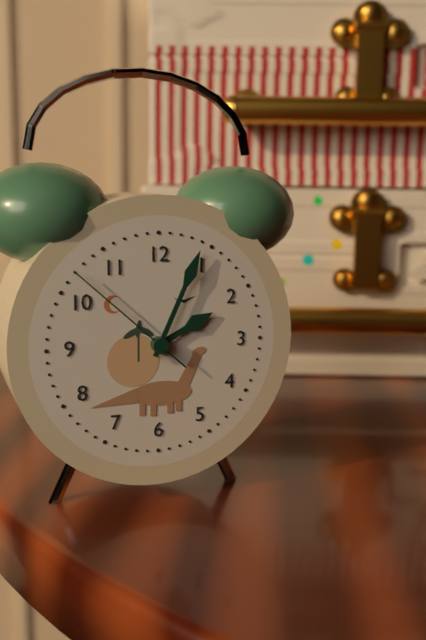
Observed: 2 h 04 min 52 s
